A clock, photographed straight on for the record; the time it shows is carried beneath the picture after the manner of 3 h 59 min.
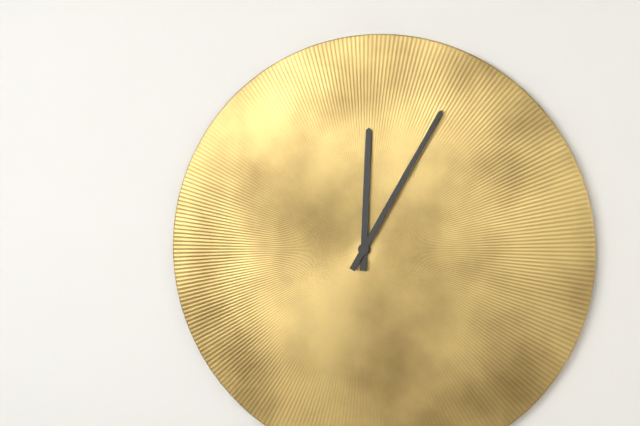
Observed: 12 h 05 min
